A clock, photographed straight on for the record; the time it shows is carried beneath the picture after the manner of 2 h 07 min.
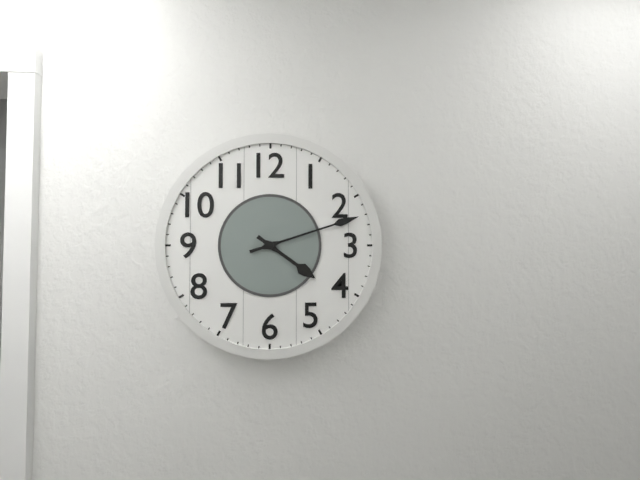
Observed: 4 h 12 min
